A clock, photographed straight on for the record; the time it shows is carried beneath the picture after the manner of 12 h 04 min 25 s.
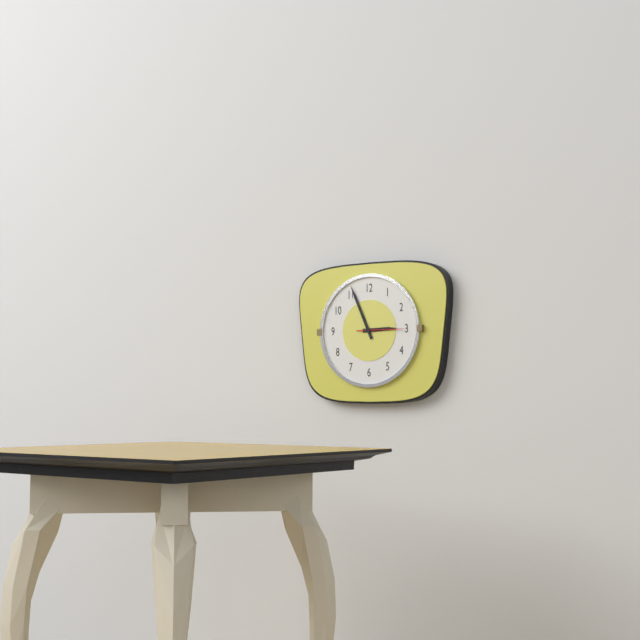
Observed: 2 h 56 min 15 s
